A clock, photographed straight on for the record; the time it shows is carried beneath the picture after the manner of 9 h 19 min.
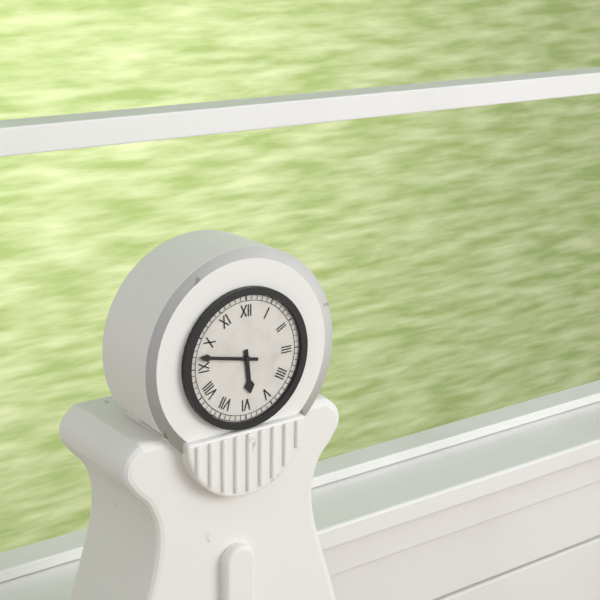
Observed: 5 h 47 min
